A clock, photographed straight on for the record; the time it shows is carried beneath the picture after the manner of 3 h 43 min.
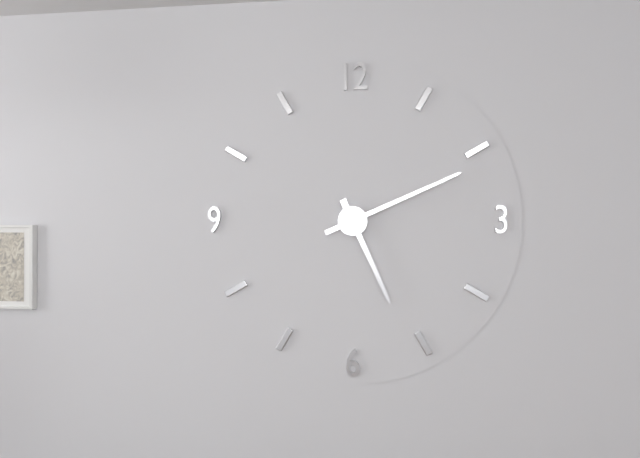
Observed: 5 h 11 min
